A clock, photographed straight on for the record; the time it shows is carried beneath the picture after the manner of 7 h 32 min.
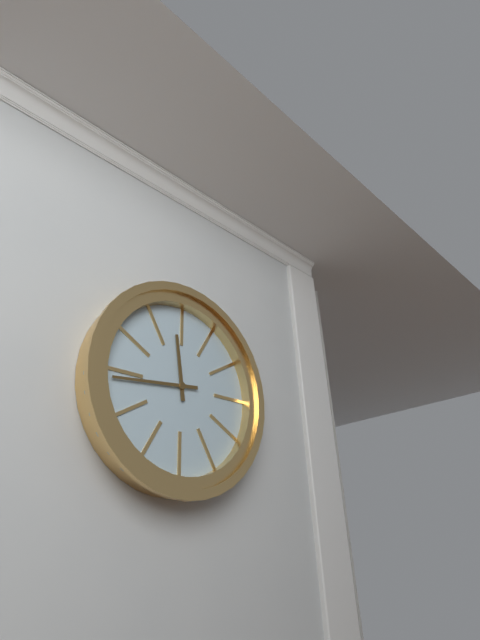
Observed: 11 h 44 min
